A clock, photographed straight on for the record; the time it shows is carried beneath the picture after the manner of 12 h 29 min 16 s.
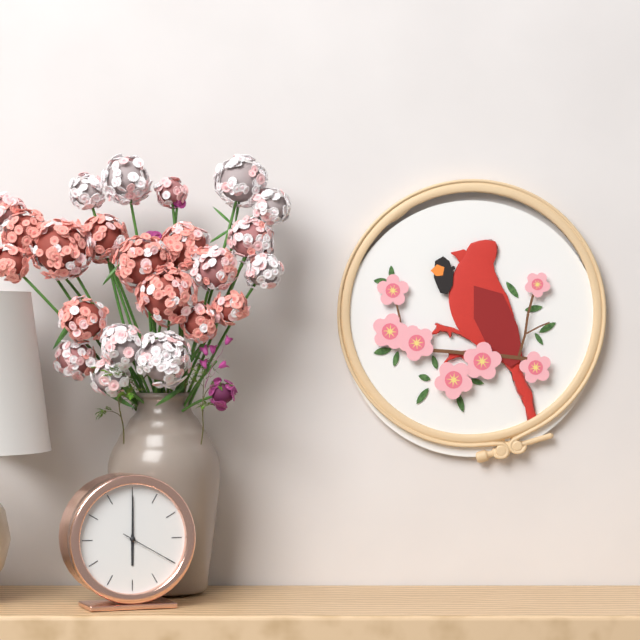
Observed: 6 h 00 min 20 s
